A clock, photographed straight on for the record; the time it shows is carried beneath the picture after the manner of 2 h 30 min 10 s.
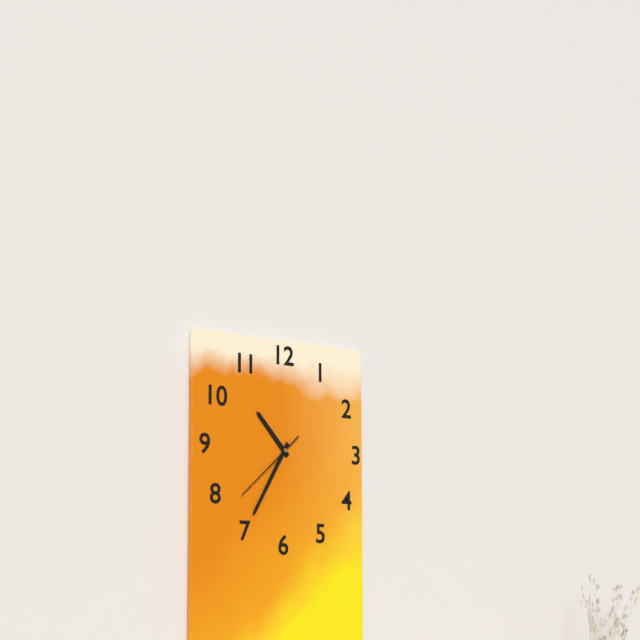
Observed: 10 h 35 min 38 s
